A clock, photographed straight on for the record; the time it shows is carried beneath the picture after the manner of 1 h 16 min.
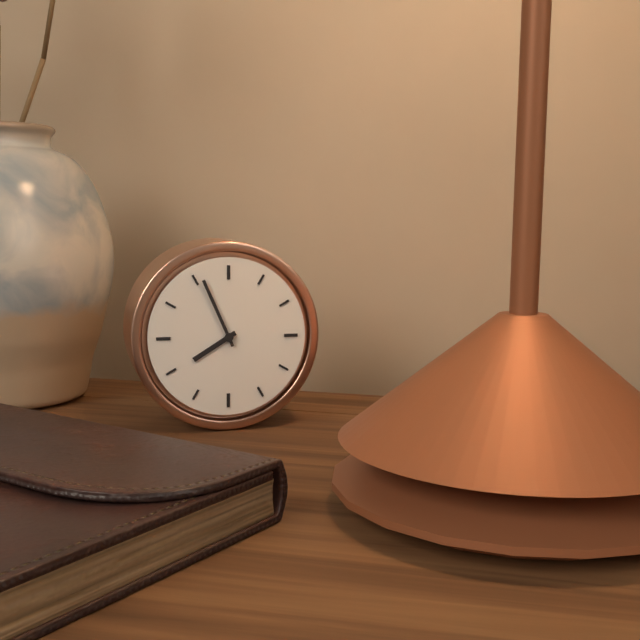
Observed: 7 h 56 min
